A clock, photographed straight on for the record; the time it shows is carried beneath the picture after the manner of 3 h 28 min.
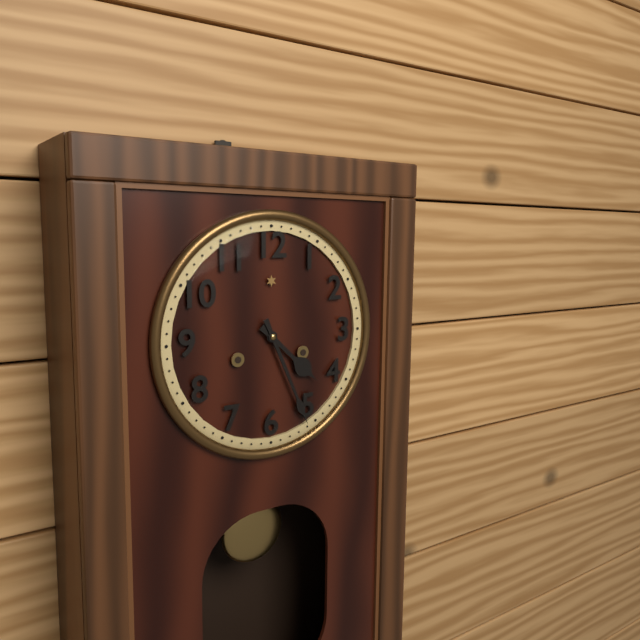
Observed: 4 h 26 min
